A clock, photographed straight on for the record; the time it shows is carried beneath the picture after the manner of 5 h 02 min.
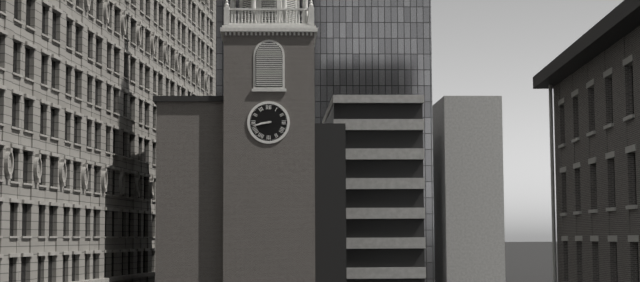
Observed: 8 h 43 min
